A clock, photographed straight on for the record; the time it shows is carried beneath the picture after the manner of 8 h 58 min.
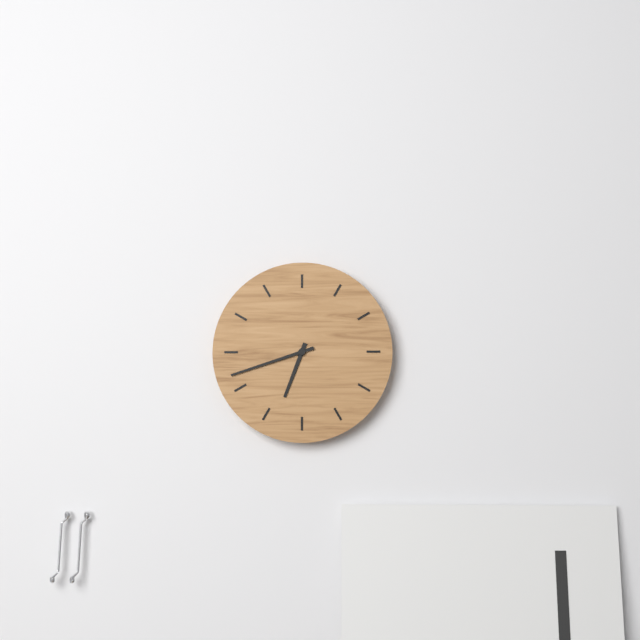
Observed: 6 h 42 min
